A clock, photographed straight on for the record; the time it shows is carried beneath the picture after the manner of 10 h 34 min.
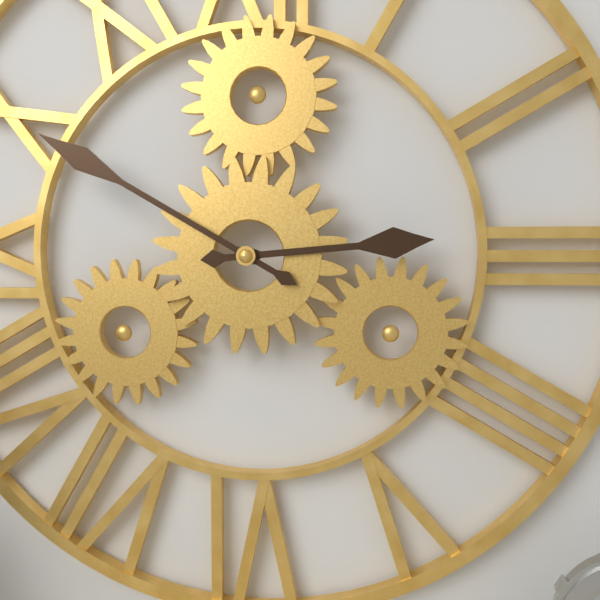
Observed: 2 h 50 min
